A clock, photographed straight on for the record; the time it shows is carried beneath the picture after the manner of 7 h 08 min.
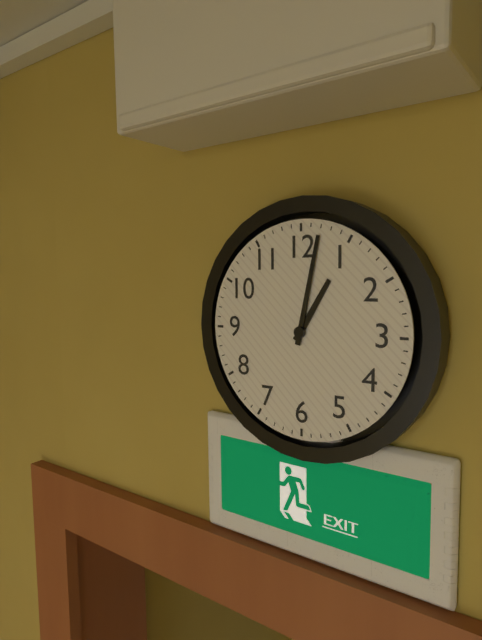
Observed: 1 h 02 min
